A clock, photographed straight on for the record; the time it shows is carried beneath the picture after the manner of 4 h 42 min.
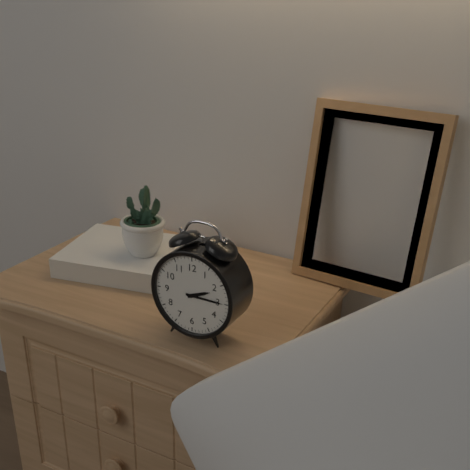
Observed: 2 h 15 min
